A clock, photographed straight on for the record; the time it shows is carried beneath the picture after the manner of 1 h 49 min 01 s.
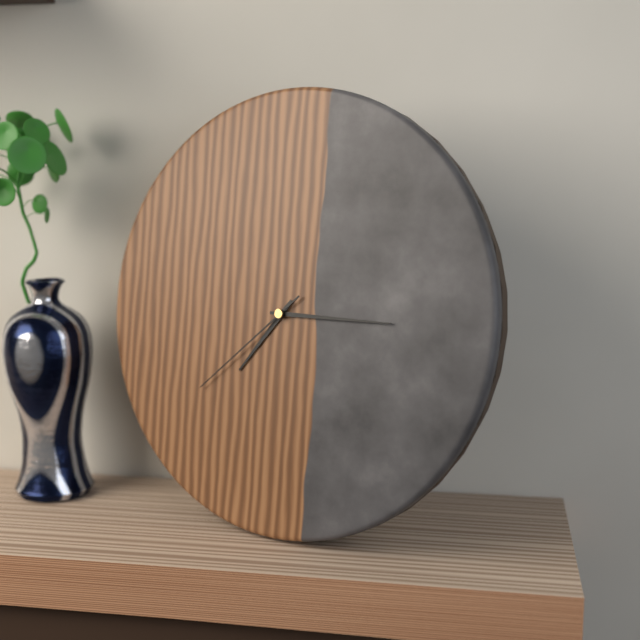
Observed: 7 h 15 min 38 s
